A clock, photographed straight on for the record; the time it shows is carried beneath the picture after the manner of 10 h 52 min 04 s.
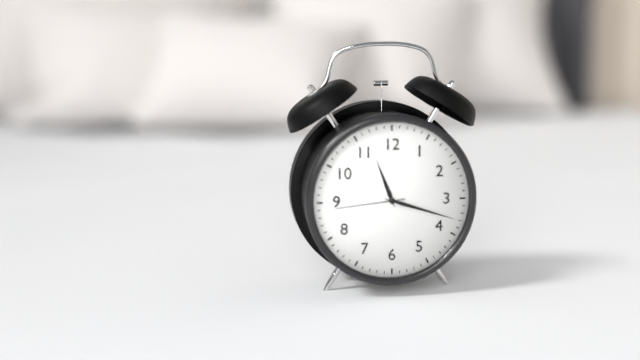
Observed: 11 h 18 min 44 s
